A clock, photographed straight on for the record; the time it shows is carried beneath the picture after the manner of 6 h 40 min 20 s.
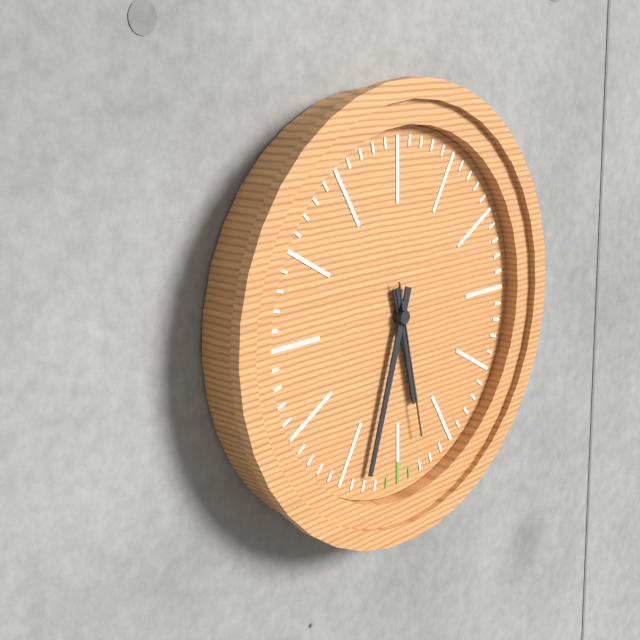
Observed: 5 h 33 min 28 s
